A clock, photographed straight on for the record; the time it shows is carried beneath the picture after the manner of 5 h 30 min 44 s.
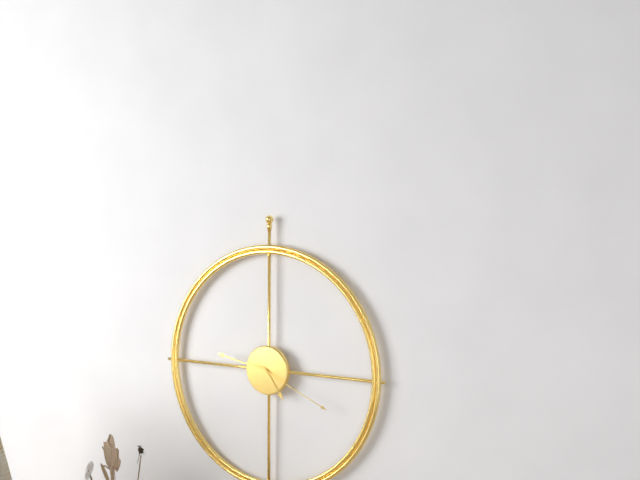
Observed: 4 h 47 min 19 s
